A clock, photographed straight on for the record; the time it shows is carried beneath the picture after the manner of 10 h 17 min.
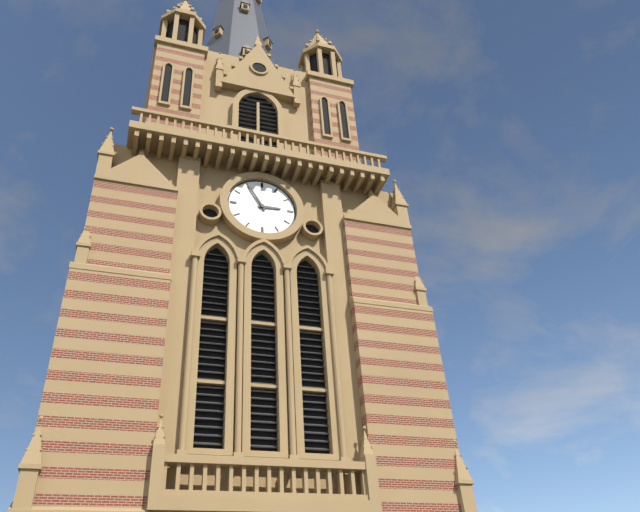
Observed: 2 h 55 min
